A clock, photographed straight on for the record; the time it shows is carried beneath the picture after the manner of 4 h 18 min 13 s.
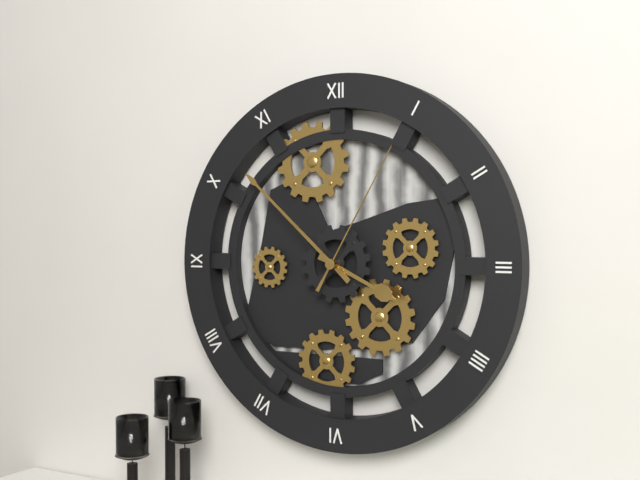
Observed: 3 h 52 min 05 s
